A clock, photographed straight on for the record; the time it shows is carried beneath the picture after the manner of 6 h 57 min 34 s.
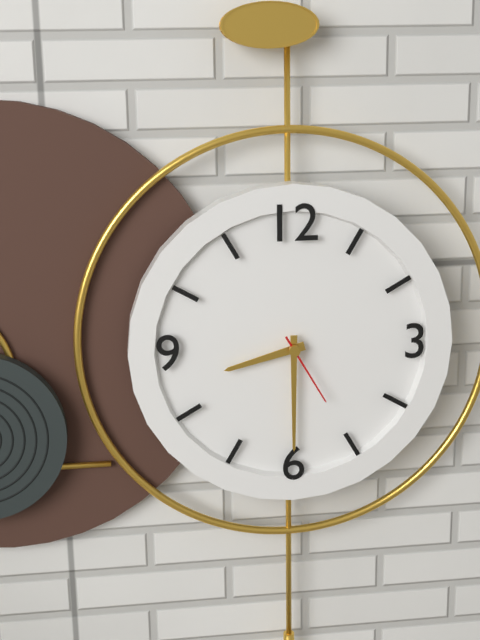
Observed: 8 h 30 min 25 s
